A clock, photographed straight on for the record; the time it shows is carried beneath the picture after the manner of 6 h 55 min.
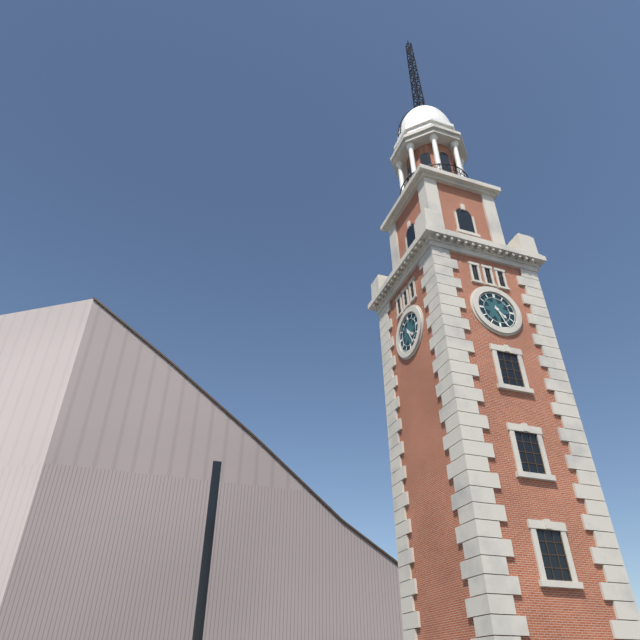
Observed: 4 h 26 min
